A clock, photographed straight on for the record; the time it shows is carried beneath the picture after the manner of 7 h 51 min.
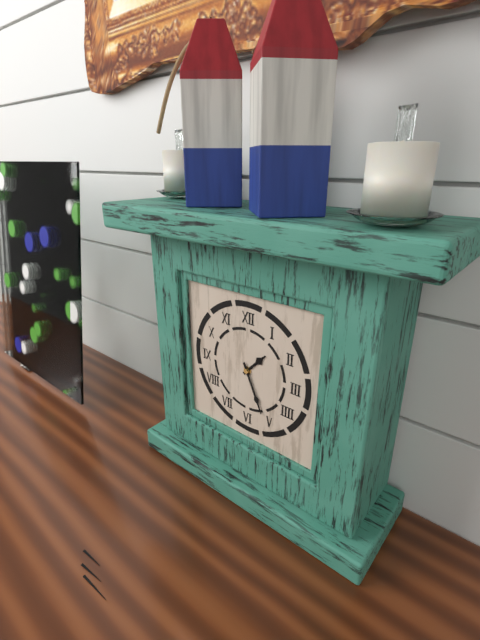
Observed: 1 h 26 min
